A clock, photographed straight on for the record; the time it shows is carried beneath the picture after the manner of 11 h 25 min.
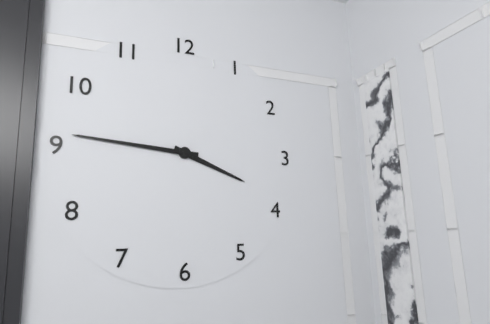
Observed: 3 h 46 min
